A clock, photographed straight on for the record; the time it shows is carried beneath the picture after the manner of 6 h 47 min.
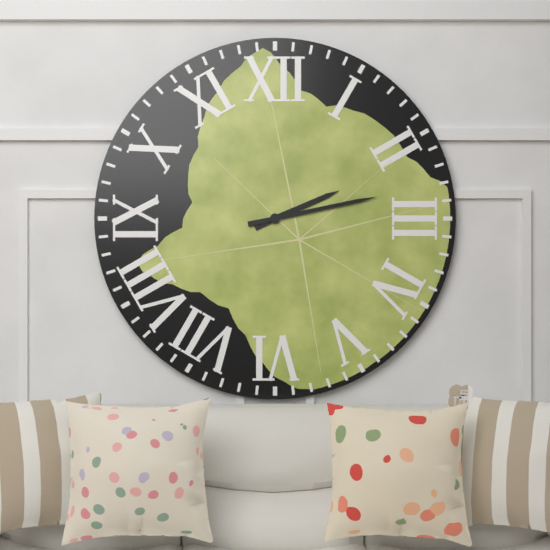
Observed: 2 h 13 min
